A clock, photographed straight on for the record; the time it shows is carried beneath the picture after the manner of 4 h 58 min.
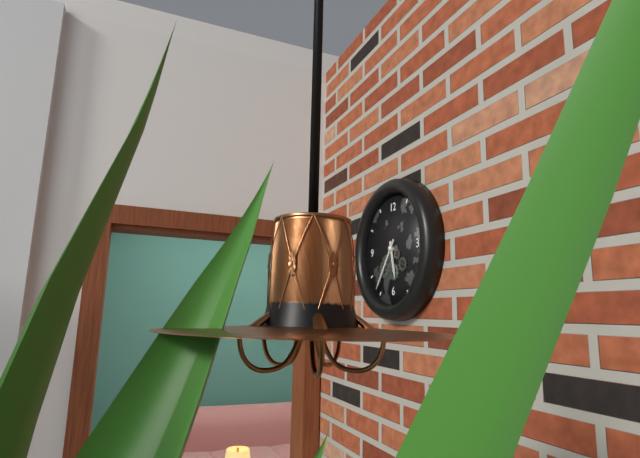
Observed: 5 h 36 min
